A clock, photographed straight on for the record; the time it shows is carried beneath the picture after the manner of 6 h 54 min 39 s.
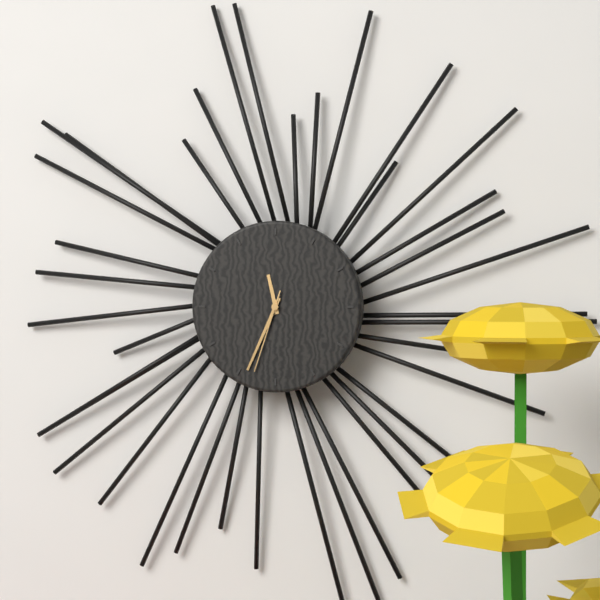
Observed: 11 h 34 min 33 s
